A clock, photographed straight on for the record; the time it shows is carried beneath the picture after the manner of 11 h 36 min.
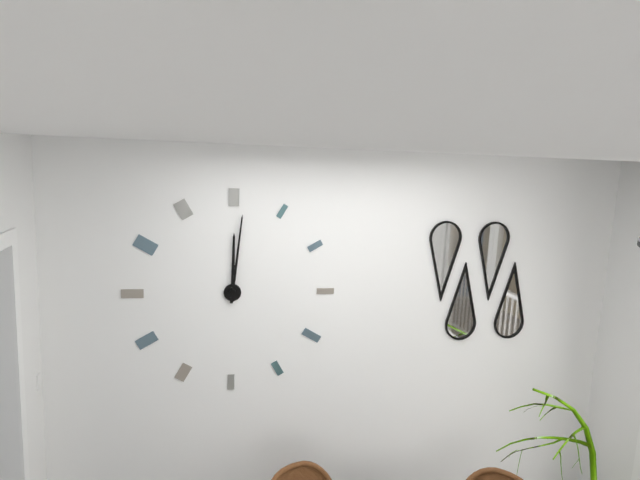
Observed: 12 h 01 min
